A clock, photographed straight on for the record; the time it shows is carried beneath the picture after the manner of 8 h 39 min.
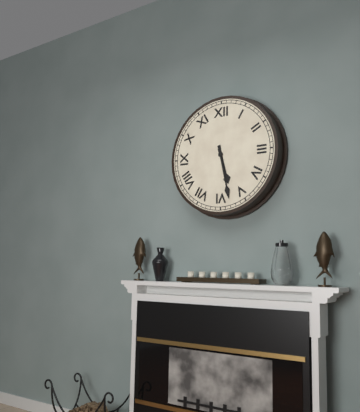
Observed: 5 h 28 min
